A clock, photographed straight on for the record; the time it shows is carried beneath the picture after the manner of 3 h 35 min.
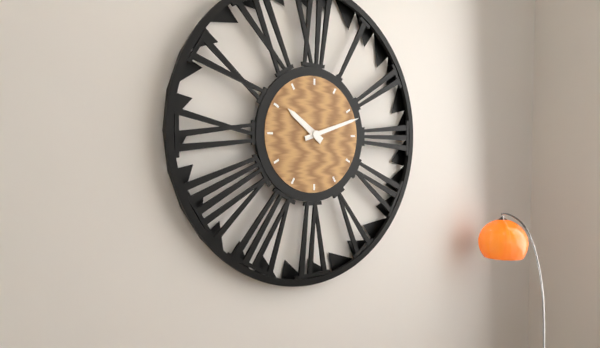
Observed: 10 h 12 min
